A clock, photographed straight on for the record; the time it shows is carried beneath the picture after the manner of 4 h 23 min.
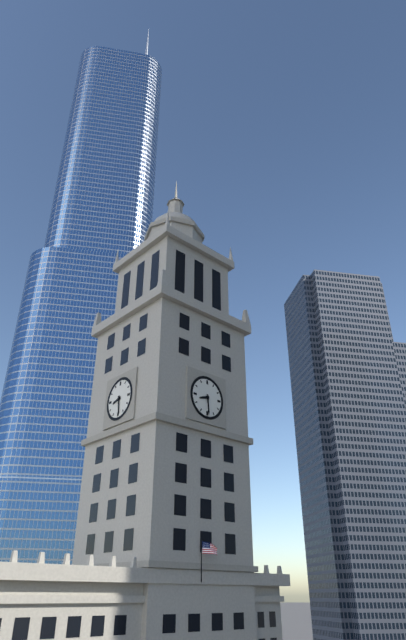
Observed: 8 h 29 min
